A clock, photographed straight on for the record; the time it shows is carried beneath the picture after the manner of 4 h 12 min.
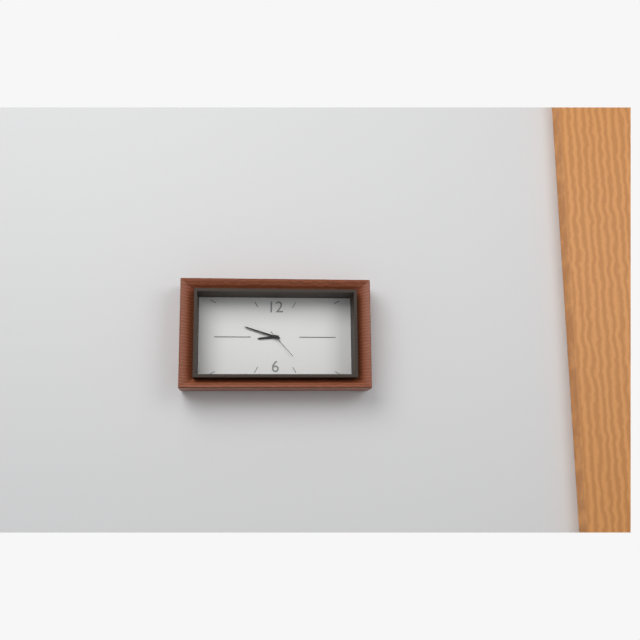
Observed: 8 h 48 min
